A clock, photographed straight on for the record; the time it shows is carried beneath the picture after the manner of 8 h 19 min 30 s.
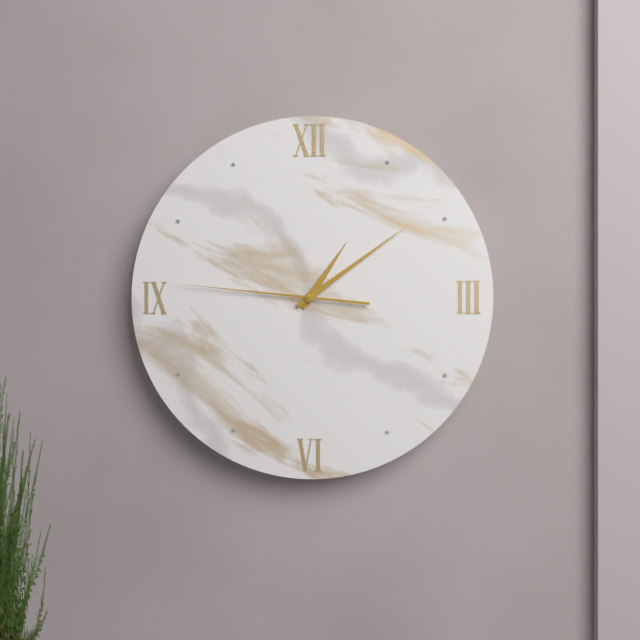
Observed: 1 h 09 min 46 s
